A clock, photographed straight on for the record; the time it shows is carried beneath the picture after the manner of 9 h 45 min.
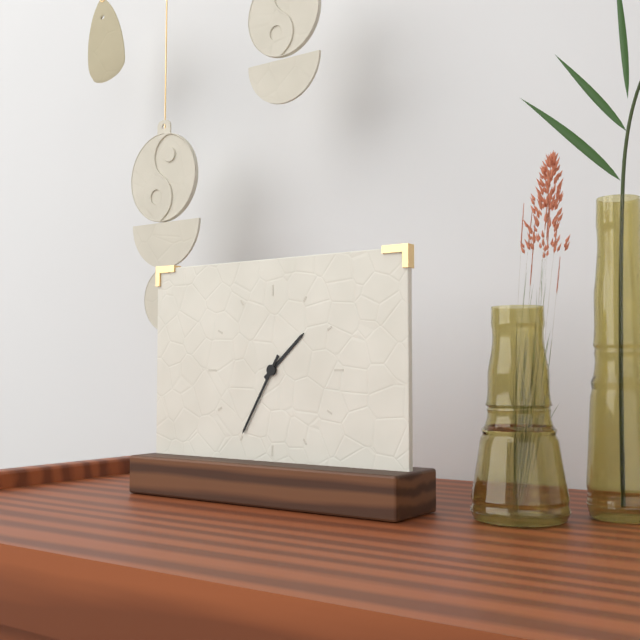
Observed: 1 h 35 min
